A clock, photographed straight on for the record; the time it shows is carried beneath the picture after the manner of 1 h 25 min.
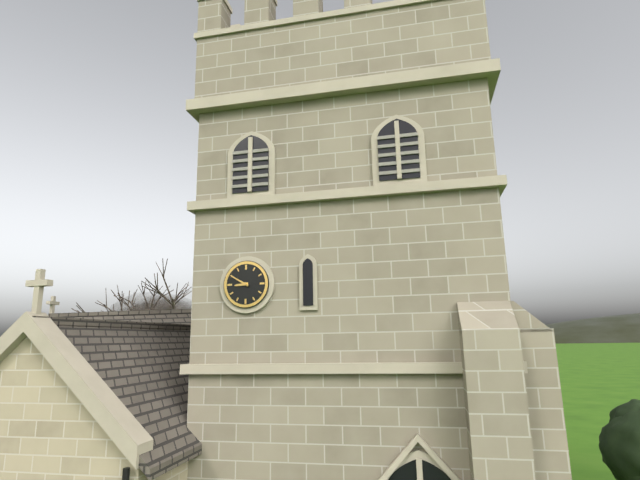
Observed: 8 h 50 min
